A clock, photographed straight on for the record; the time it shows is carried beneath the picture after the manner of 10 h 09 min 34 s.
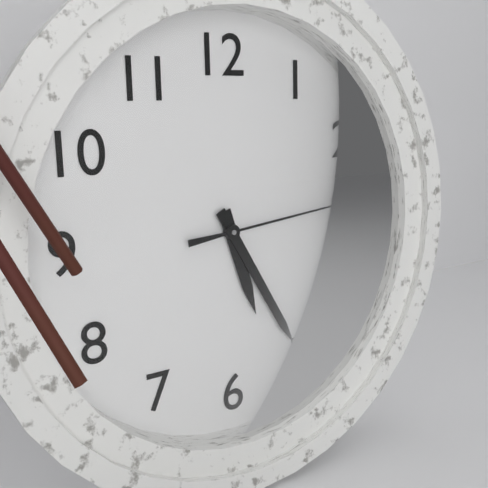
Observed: 5 h 25 min 14 s
